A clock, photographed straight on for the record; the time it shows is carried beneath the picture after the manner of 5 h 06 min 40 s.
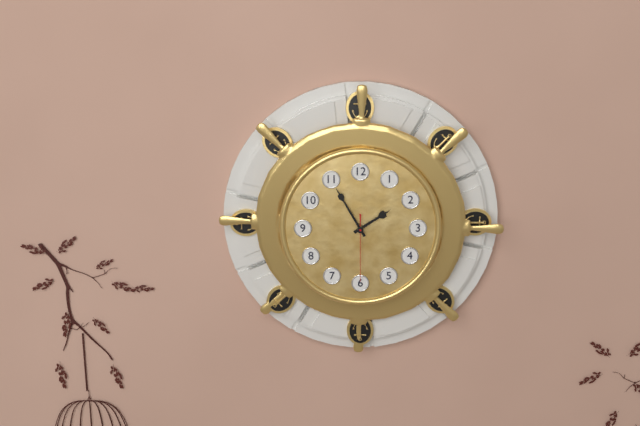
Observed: 1 h 55 min 30 s
